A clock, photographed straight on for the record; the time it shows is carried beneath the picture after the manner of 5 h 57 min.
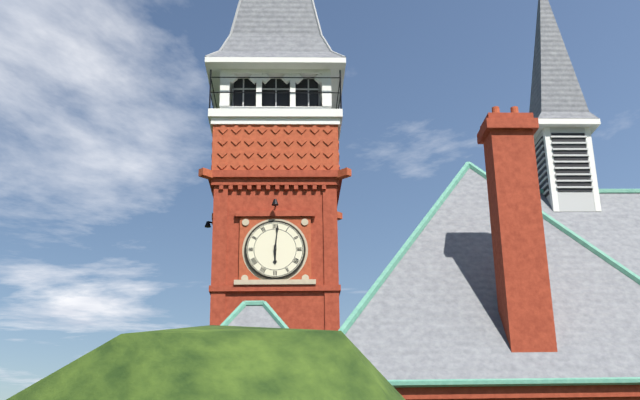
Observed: 6 h 01 min
